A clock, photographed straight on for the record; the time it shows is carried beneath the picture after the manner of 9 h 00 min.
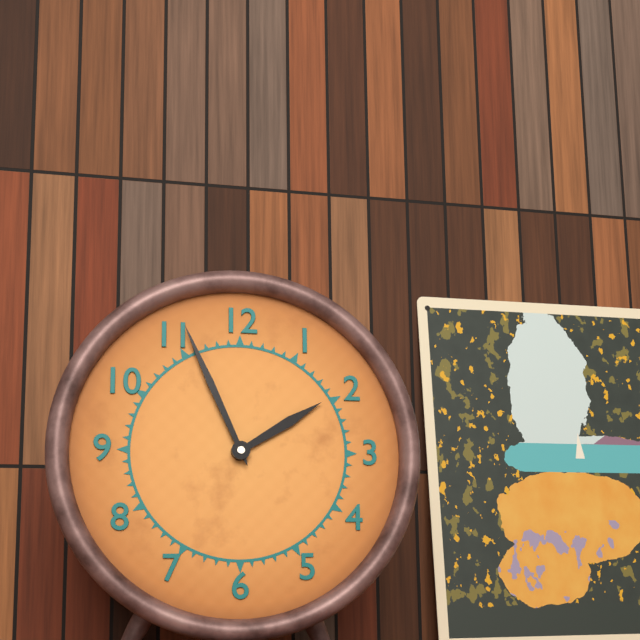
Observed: 1 h 56 min
